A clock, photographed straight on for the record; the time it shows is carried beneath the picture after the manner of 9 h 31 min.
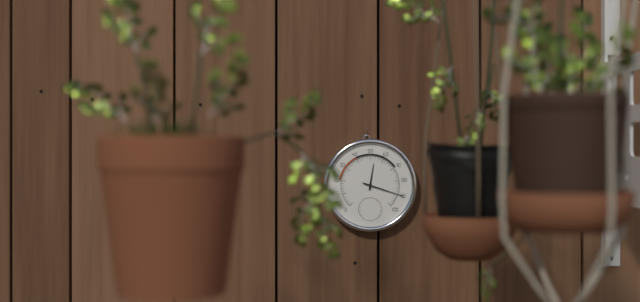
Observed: 12 h 18 min
